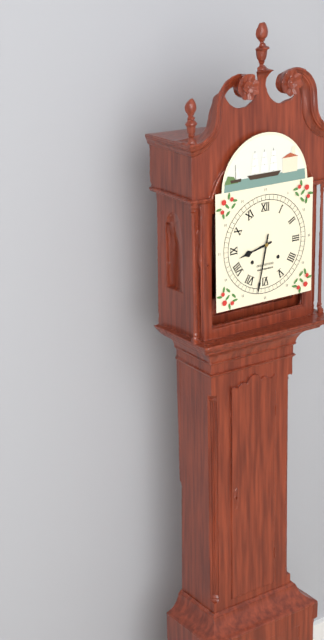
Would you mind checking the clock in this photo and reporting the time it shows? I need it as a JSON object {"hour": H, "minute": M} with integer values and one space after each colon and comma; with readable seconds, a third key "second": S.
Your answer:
{"hour": 8, "minute": 32}
